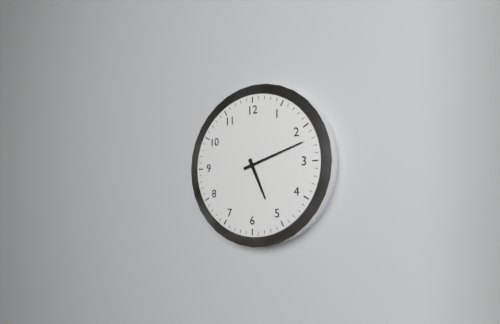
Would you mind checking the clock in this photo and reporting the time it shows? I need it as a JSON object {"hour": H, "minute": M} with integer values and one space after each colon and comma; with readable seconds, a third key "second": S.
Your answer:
{"hour": 5, "minute": 12}
